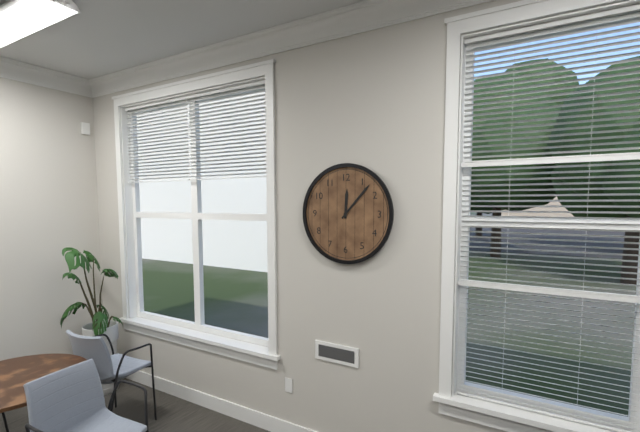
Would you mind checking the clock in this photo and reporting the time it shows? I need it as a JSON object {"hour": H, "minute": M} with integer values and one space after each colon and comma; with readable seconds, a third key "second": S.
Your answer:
{"hour": 12, "minute": 7}
